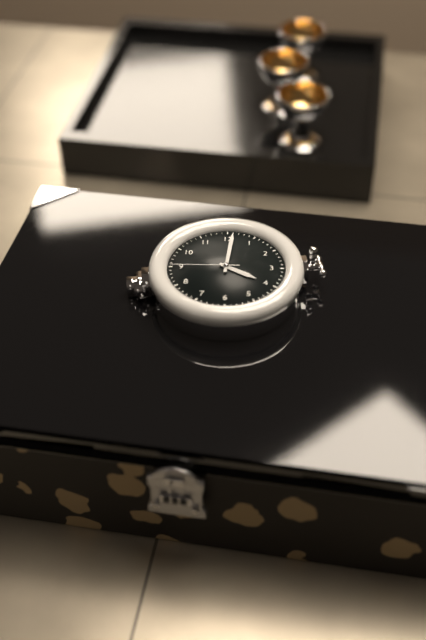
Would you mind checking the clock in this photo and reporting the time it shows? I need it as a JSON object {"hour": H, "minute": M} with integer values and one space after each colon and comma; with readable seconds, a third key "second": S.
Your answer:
{"hour": 4, "minute": 1, "second": 45}
